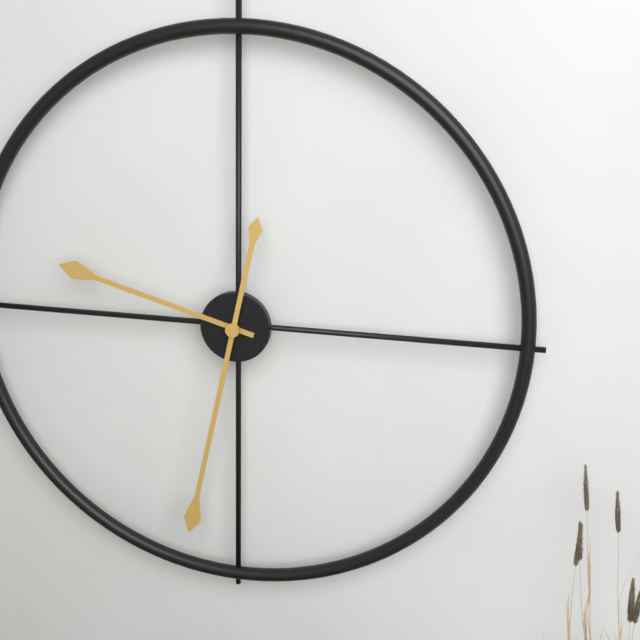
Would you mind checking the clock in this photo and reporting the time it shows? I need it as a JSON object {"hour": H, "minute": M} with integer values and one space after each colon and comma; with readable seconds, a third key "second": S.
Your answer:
{"hour": 9, "minute": 32}
